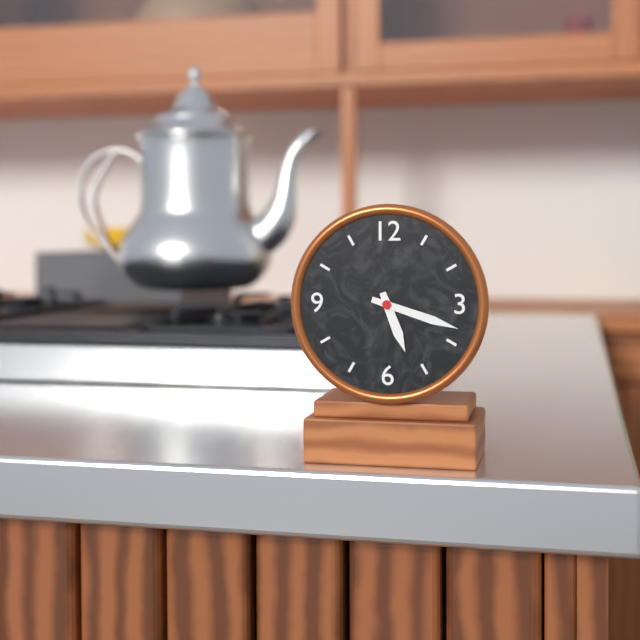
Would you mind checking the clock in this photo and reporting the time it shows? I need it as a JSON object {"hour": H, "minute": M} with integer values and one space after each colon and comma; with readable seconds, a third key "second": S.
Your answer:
{"hour": 5, "minute": 18}
